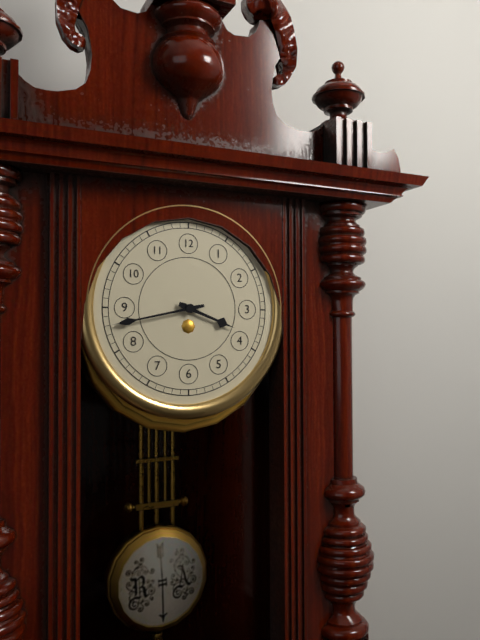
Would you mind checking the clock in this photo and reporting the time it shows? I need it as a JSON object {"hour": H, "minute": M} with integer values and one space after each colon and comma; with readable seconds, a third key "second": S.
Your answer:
{"hour": 3, "minute": 43}
